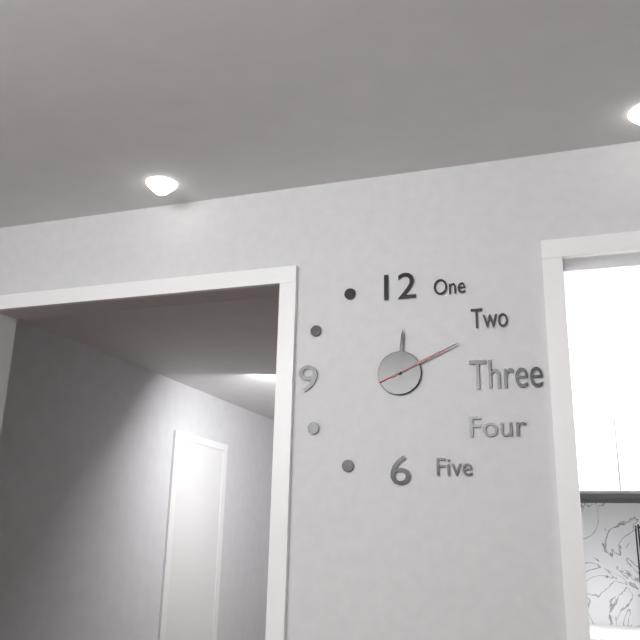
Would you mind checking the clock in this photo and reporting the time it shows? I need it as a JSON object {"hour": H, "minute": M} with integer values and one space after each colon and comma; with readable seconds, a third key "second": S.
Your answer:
{"hour": 12, "minute": 11, "second": 11}
